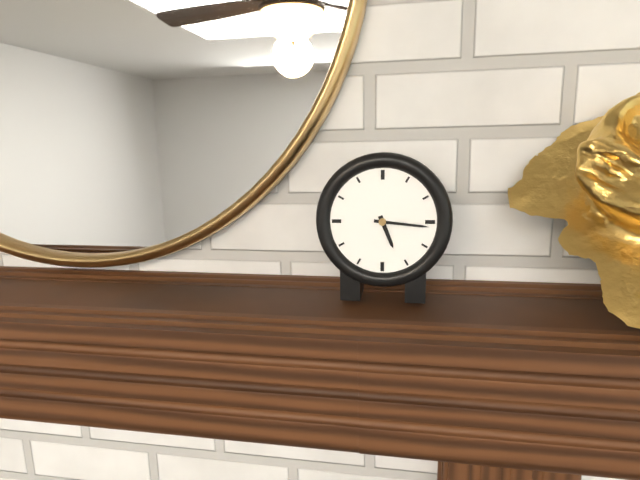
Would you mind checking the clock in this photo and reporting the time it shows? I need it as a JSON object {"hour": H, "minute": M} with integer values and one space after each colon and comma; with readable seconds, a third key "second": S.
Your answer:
{"hour": 5, "minute": 16}
